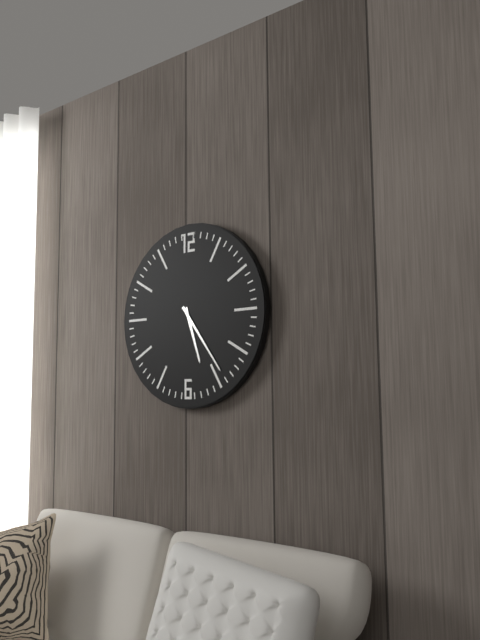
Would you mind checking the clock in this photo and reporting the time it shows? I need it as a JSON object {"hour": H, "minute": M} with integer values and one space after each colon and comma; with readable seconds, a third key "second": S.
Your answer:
{"hour": 5, "minute": 24}
